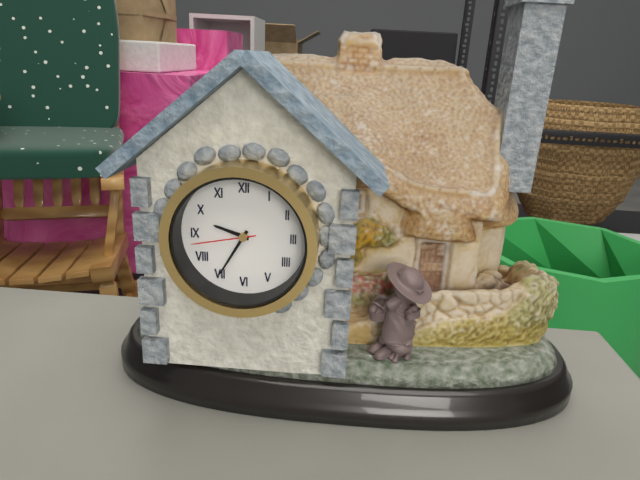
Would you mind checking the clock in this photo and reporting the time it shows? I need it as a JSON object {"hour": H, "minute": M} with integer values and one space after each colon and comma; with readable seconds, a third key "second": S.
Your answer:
{"hour": 9, "minute": 35, "second": 43}
